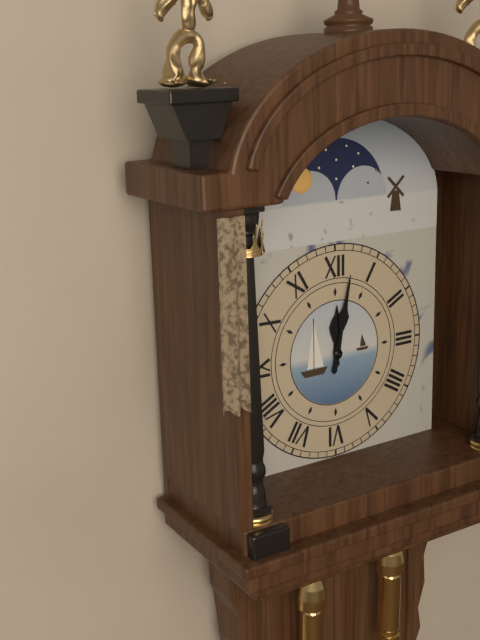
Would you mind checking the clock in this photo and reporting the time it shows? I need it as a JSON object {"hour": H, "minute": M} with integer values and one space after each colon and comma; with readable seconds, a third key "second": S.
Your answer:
{"hour": 12, "minute": 2}
